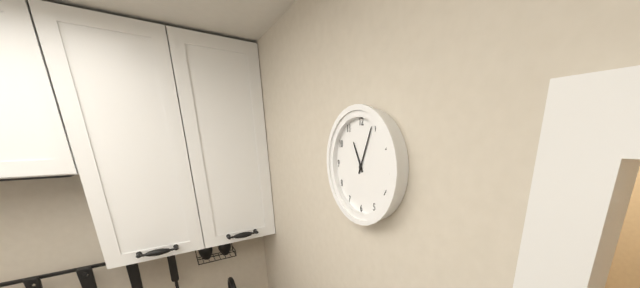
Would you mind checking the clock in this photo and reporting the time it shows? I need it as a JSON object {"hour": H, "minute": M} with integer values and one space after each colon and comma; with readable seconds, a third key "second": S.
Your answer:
{"hour": 11, "minute": 4}
